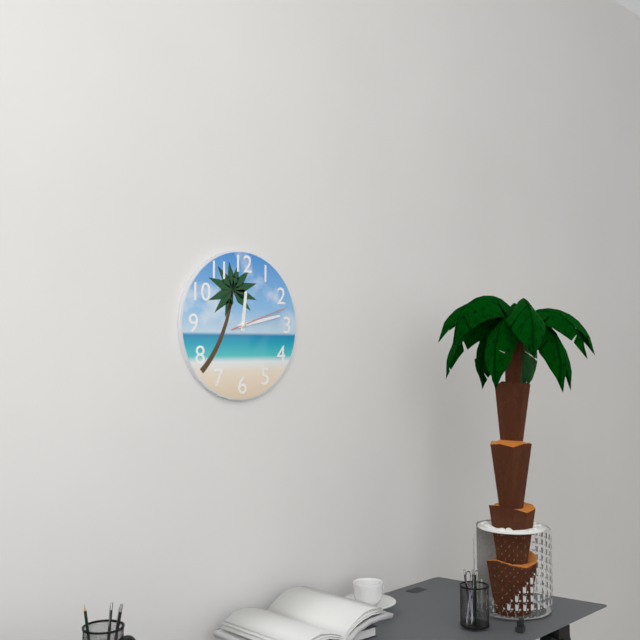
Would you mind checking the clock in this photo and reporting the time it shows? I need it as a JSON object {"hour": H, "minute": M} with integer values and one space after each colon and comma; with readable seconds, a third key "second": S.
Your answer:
{"hour": 12, "minute": 13, "second": 12}
